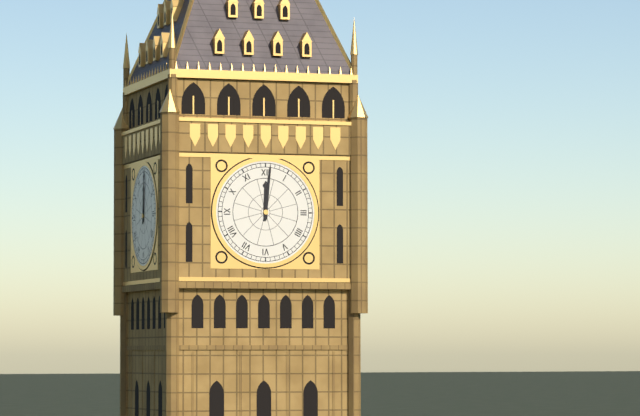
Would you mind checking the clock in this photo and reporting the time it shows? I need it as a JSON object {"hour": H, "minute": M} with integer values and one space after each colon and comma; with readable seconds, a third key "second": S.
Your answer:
{"hour": 12, "minute": 1}
